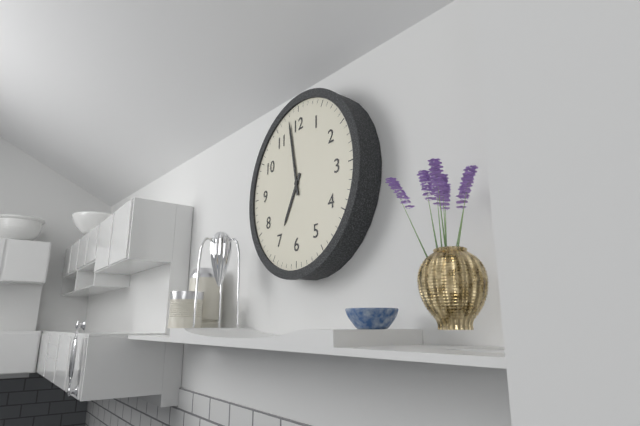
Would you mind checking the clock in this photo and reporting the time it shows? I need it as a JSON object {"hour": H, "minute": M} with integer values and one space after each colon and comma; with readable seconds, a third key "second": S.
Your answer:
{"hour": 6, "minute": 58}
